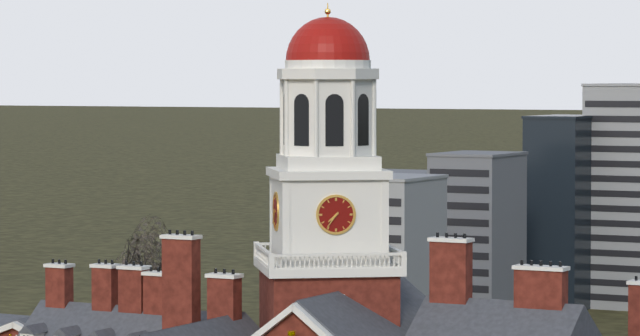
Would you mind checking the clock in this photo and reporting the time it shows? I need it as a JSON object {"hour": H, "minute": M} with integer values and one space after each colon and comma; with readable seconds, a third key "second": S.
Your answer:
{"hour": 7, "minute": 36}
